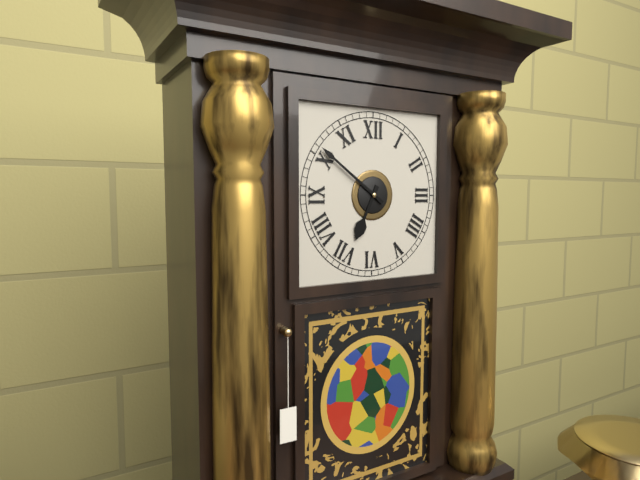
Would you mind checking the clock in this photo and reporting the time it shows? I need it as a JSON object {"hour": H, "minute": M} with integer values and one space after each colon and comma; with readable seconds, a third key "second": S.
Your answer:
{"hour": 6, "minute": 51}
